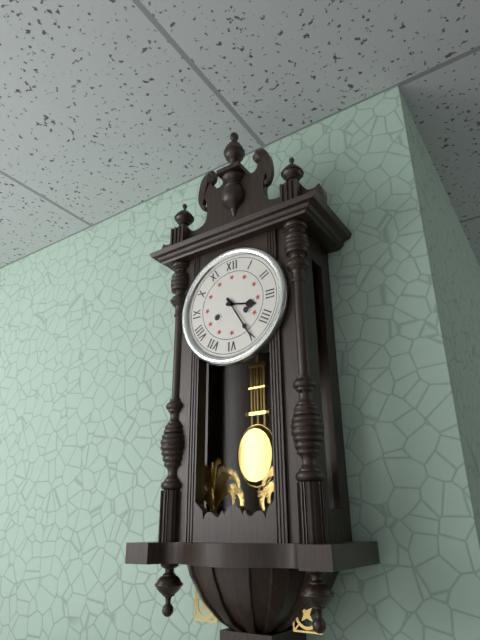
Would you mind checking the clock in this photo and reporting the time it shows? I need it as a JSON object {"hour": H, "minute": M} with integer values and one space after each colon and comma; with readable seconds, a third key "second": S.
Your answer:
{"hour": 3, "minute": 25}
